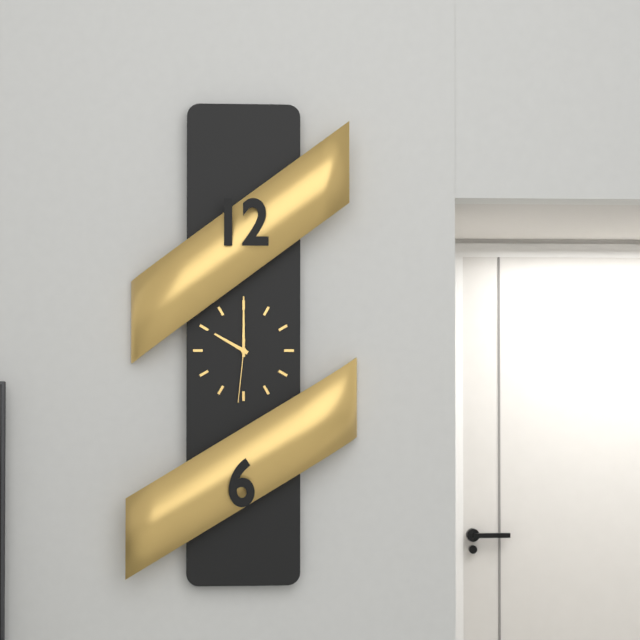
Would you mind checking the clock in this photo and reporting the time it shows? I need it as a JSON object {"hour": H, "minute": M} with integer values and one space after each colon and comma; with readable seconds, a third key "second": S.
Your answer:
{"hour": 10, "minute": 0, "second": 31}
